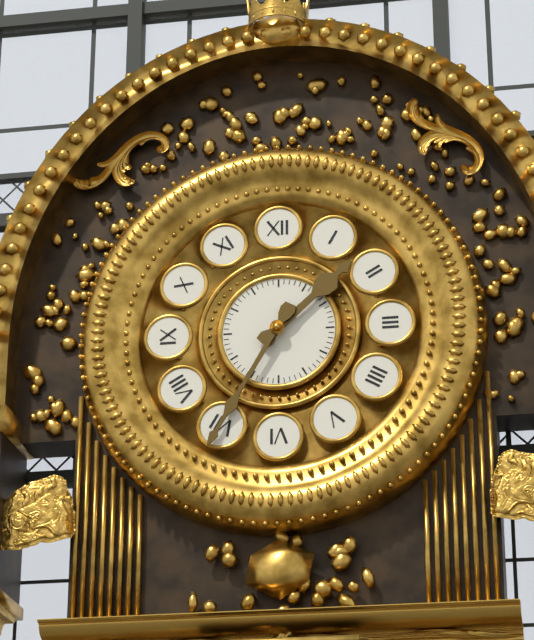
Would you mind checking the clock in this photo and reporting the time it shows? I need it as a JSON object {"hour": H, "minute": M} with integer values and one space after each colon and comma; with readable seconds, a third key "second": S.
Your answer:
{"hour": 1, "minute": 35}
